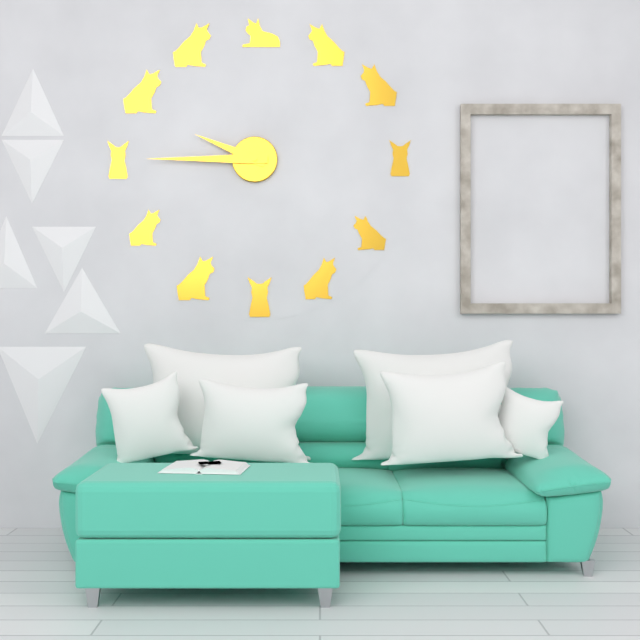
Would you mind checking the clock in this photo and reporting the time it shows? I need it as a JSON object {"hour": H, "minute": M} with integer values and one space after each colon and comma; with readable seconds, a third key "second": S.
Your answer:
{"hour": 9, "minute": 45}
